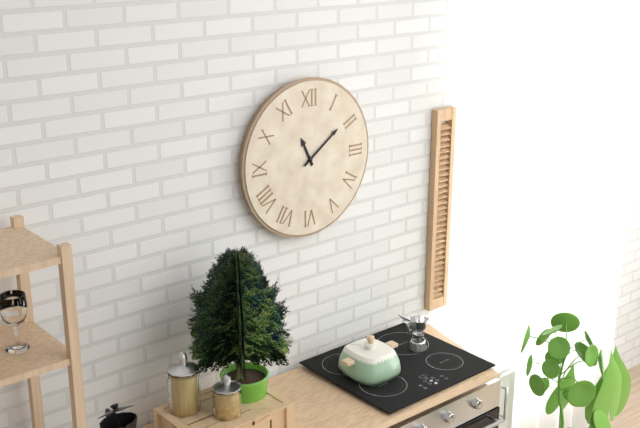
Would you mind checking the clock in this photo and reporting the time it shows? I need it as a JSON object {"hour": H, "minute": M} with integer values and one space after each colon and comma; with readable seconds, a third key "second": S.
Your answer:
{"hour": 11, "minute": 9}
